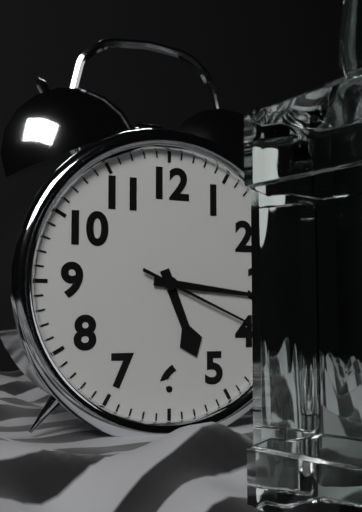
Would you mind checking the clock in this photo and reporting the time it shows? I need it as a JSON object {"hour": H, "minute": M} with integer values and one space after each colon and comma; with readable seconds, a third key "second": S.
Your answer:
{"hour": 5, "minute": 16, "second": 19}
